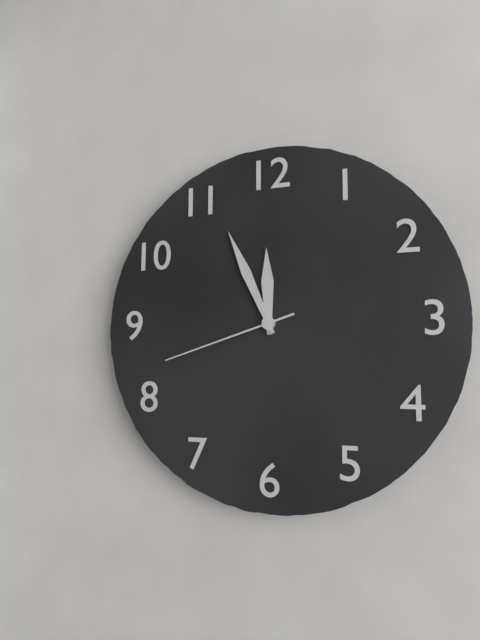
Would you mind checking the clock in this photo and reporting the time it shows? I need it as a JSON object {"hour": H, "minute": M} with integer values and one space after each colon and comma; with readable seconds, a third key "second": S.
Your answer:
{"hour": 11, "minute": 56, "second": 42}
